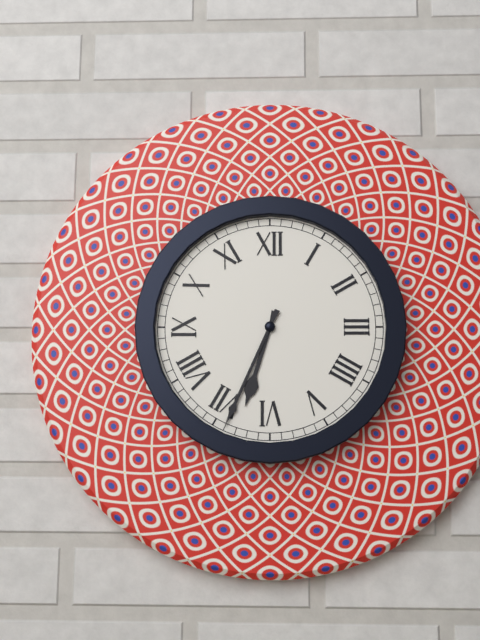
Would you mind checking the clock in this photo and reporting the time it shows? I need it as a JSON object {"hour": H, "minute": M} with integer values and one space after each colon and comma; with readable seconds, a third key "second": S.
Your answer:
{"hour": 6, "minute": 34}
